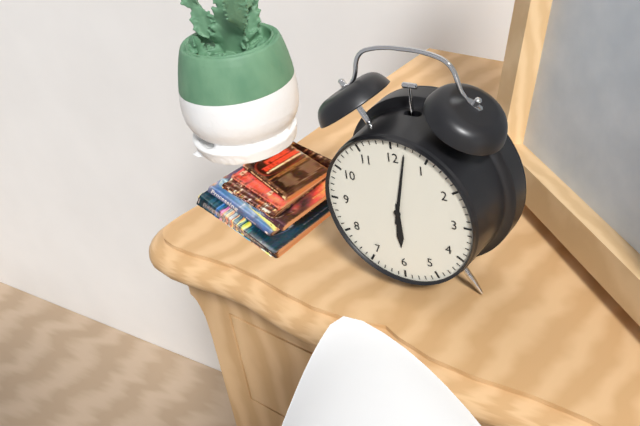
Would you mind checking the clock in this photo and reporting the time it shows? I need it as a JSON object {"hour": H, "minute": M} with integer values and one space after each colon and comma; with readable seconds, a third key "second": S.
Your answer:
{"hour": 6, "minute": 2}
